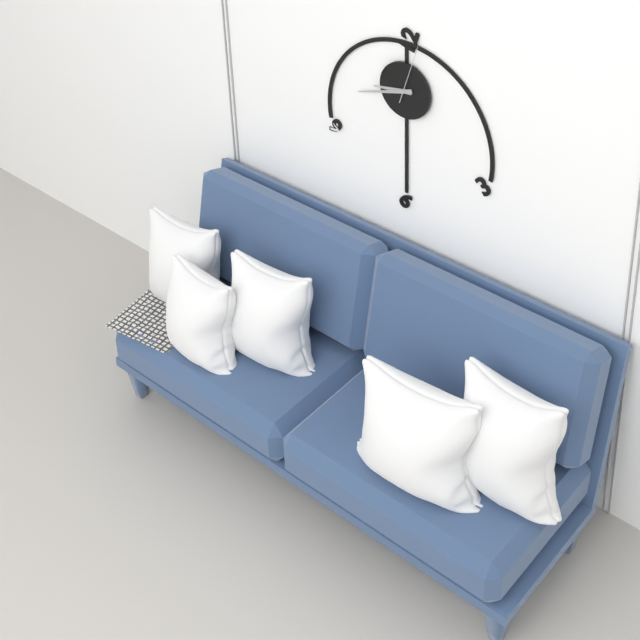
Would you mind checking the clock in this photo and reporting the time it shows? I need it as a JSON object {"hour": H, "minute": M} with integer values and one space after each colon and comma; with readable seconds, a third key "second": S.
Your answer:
{"hour": 8, "minute": 42, "second": 3}
